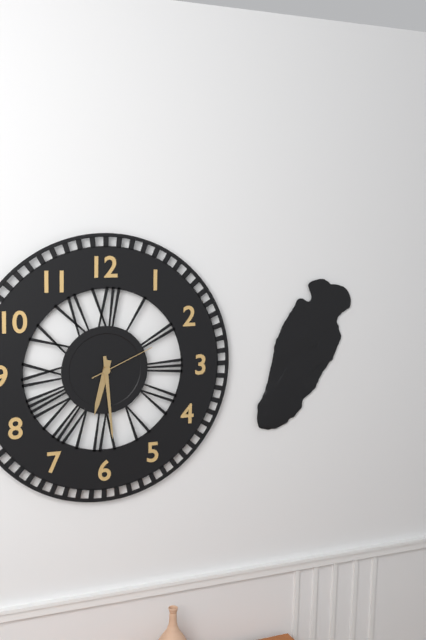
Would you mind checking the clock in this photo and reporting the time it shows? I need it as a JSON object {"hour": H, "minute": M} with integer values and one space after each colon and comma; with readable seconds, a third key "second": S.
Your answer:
{"hour": 6, "minute": 29, "second": 11}
